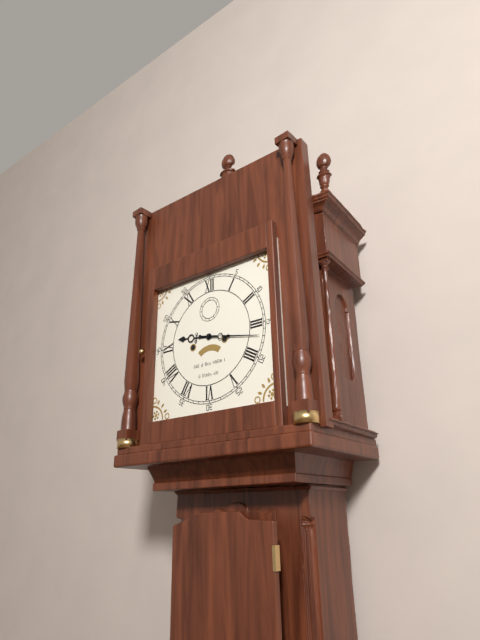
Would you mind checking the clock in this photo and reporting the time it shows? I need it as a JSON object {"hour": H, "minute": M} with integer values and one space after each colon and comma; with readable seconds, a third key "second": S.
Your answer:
{"hour": 9, "minute": 17}
